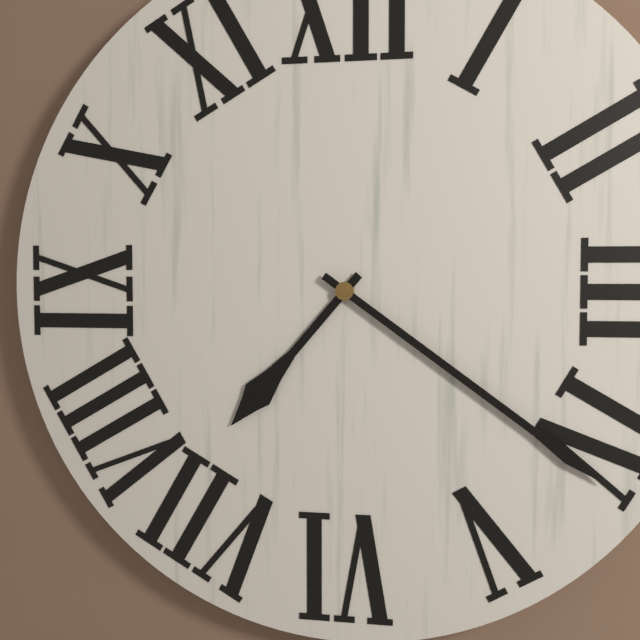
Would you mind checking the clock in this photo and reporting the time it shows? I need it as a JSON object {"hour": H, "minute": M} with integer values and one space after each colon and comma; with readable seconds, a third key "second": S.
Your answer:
{"hour": 7, "minute": 21}
